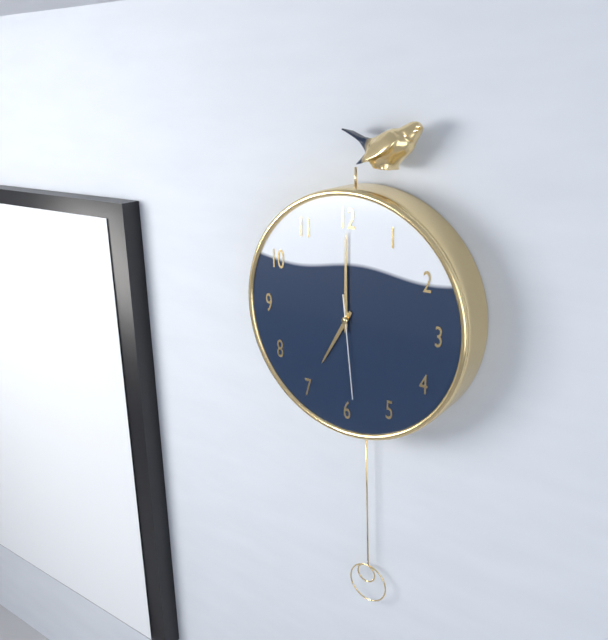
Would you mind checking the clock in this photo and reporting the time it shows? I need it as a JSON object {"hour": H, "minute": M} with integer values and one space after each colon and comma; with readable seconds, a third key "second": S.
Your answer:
{"hour": 7, "minute": 0, "second": 29}
